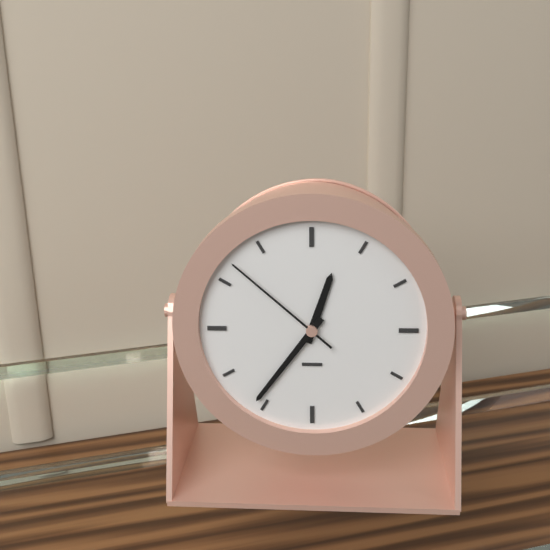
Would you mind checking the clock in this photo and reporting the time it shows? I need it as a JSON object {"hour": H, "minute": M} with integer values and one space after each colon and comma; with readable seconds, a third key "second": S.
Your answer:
{"hour": 12, "minute": 36, "second": 52}
